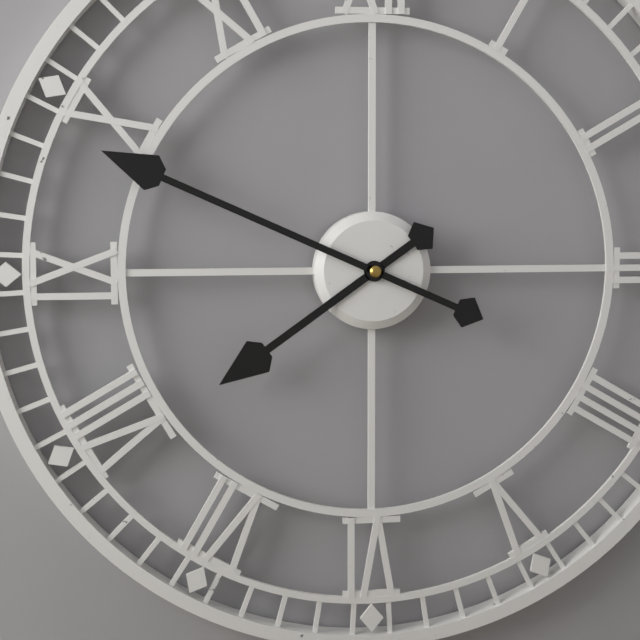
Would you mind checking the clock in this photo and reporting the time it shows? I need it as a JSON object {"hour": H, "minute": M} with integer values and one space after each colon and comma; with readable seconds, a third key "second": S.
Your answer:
{"hour": 7, "minute": 49}
